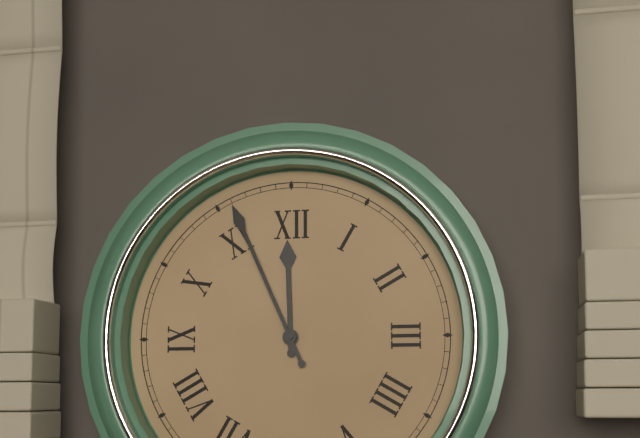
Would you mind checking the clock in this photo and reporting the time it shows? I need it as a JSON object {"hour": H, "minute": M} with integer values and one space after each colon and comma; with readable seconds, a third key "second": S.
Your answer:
{"hour": 11, "minute": 56}
